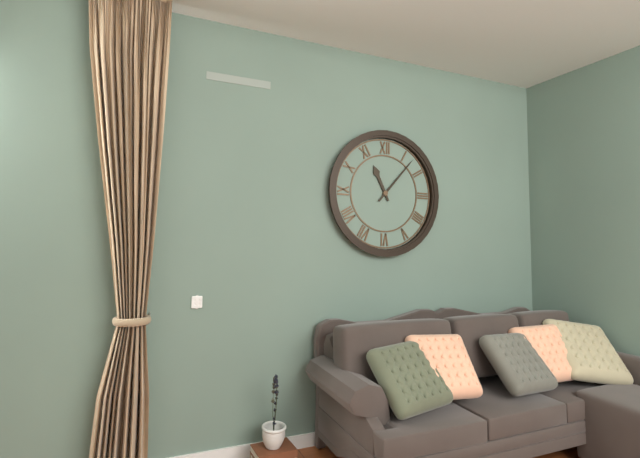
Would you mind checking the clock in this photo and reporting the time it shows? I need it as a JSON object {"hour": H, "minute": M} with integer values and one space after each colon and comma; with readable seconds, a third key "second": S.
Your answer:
{"hour": 11, "minute": 7}
